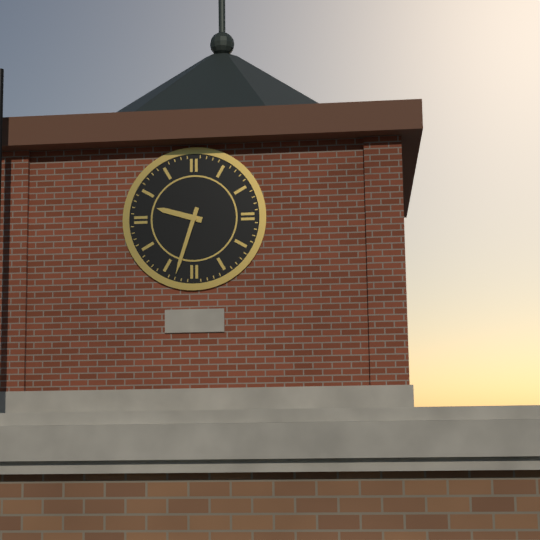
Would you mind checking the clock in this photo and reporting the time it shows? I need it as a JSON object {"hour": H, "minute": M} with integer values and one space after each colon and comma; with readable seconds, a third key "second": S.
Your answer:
{"hour": 9, "minute": 33}
